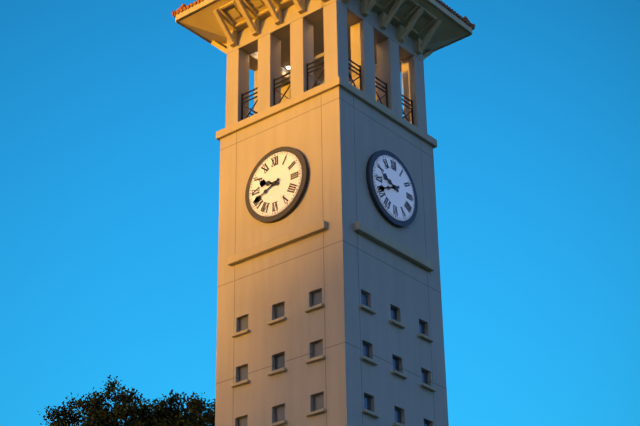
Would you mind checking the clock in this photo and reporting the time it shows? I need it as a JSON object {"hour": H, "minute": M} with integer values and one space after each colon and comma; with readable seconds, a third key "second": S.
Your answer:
{"hour": 9, "minute": 41}
